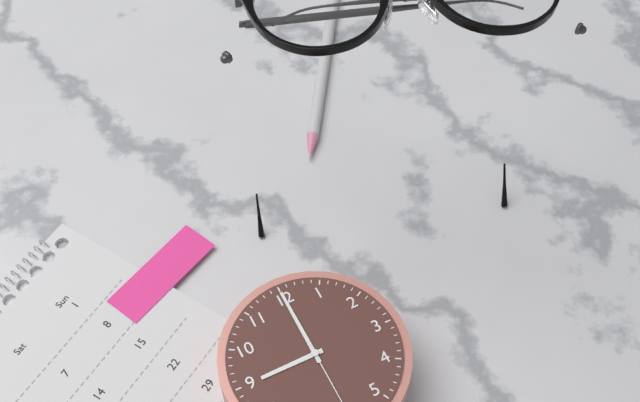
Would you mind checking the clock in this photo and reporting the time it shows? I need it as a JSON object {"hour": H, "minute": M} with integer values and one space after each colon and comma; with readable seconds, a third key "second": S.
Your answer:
{"hour": 9, "minute": 0}
